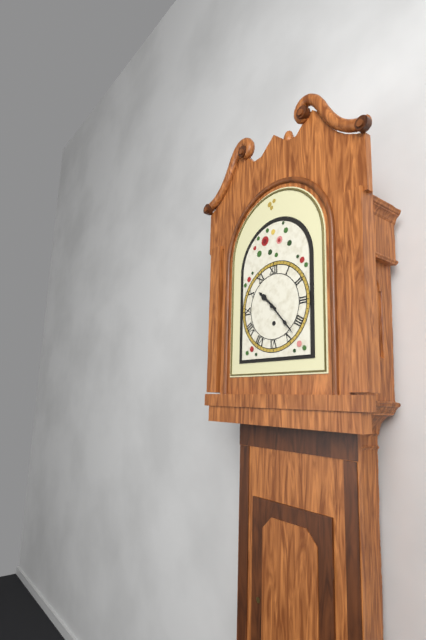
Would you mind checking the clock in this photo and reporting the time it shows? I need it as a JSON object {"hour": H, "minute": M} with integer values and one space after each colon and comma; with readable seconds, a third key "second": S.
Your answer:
{"hour": 10, "minute": 23}
